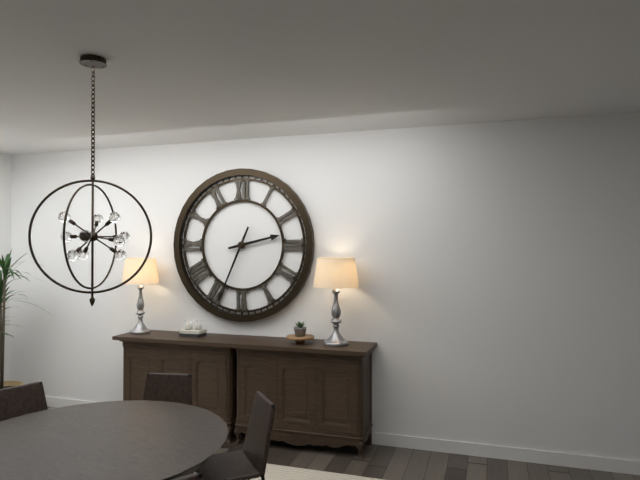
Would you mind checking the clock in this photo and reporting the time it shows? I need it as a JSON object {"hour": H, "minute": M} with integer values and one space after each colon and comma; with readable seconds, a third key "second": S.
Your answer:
{"hour": 2, "minute": 34}
